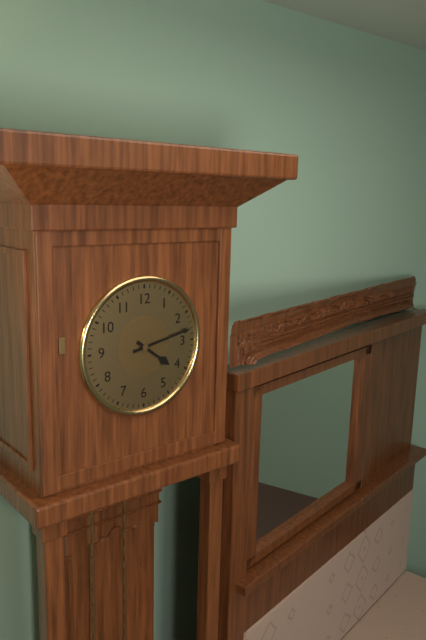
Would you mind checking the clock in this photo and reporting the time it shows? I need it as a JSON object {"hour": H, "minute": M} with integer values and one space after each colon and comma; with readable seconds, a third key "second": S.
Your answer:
{"hour": 4, "minute": 13}
